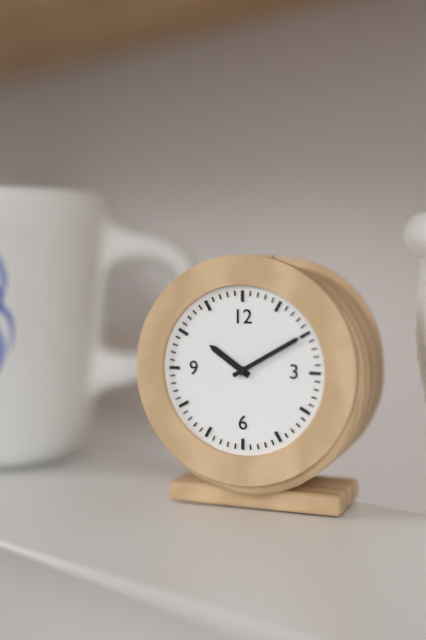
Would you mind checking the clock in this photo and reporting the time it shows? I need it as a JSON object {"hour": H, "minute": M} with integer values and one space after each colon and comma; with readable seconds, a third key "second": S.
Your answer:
{"hour": 10, "minute": 10}
